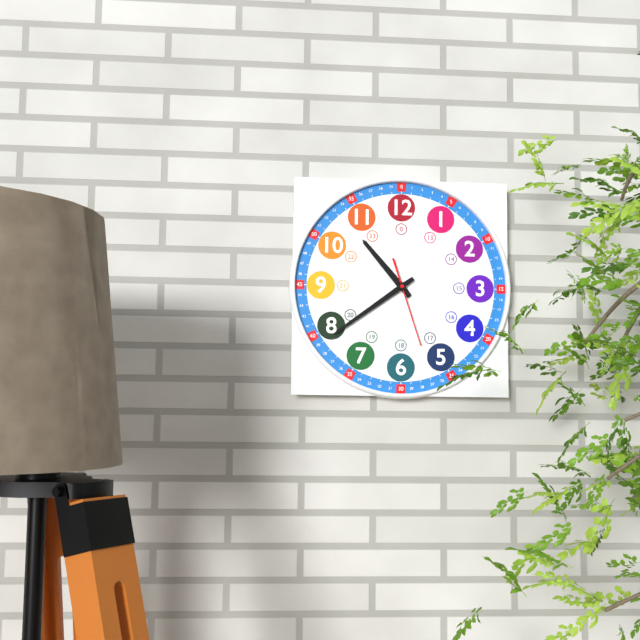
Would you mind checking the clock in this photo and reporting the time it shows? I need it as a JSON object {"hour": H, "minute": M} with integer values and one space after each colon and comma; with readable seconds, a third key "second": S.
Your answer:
{"hour": 10, "minute": 39, "second": 27}
